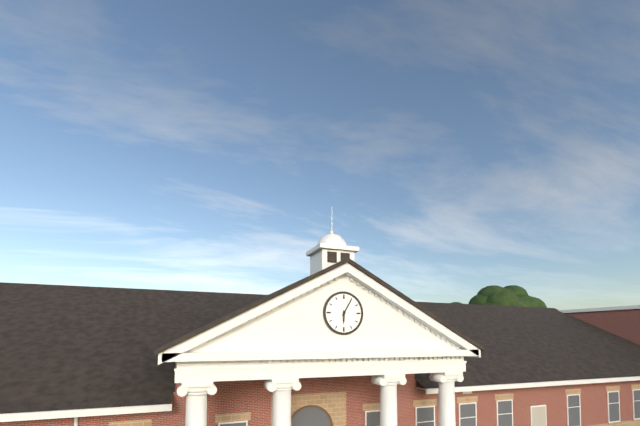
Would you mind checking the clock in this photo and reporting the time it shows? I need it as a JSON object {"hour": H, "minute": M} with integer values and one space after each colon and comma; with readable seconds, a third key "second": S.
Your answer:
{"hour": 6, "minute": 5}
